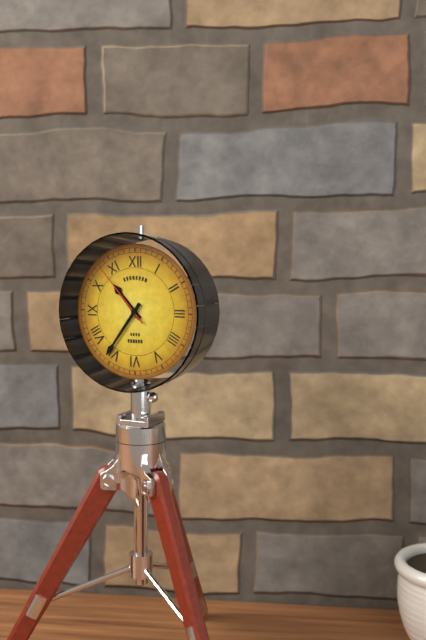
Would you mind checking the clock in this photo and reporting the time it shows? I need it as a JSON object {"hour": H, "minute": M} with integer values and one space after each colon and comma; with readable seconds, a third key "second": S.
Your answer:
{"hour": 10, "minute": 36, "second": 53}
